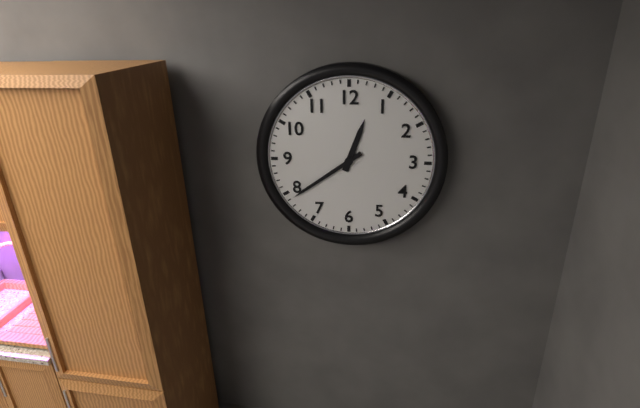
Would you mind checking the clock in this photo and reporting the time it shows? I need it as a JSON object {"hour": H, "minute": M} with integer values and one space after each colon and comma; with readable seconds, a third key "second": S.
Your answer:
{"hour": 12, "minute": 39}
